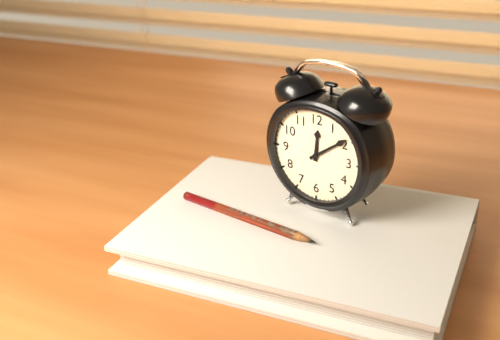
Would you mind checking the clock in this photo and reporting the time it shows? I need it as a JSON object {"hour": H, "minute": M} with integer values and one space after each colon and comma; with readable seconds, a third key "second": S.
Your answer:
{"hour": 12, "minute": 9}
